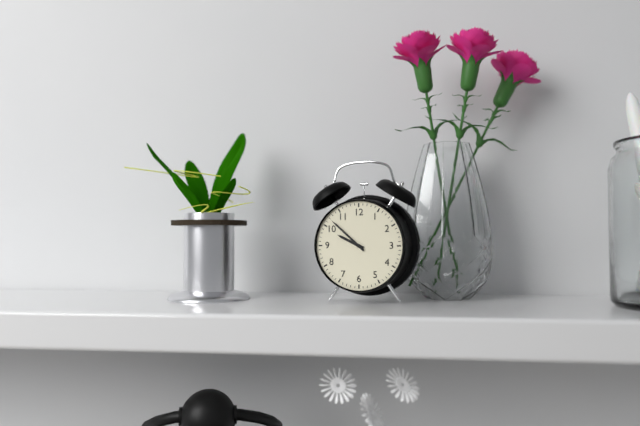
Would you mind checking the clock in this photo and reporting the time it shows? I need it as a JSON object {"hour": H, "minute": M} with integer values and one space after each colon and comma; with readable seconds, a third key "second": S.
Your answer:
{"hour": 9, "minute": 52}
